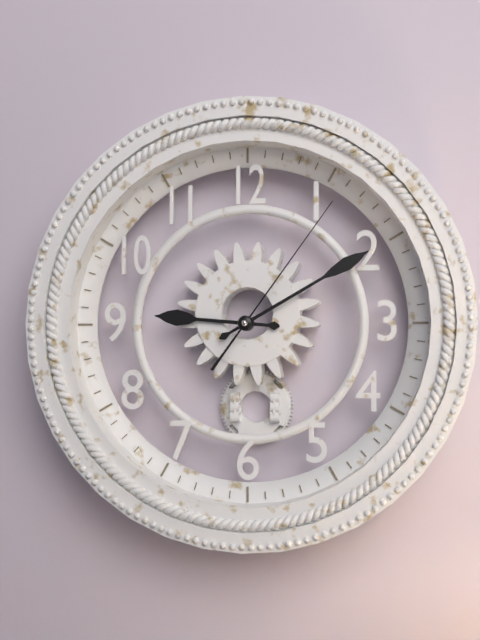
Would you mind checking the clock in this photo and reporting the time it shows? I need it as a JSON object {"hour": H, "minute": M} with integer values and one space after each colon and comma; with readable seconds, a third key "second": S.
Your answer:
{"hour": 9, "minute": 10, "second": 6}
